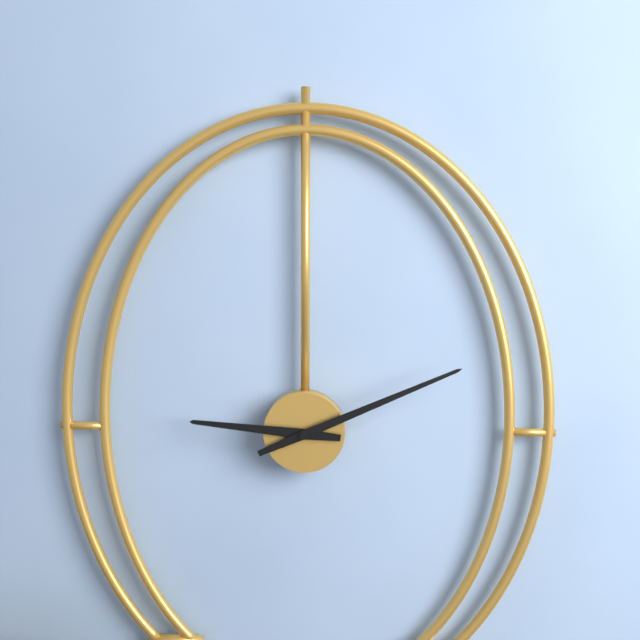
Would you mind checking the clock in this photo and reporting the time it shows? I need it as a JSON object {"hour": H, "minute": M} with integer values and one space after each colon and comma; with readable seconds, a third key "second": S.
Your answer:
{"hour": 9, "minute": 11}
